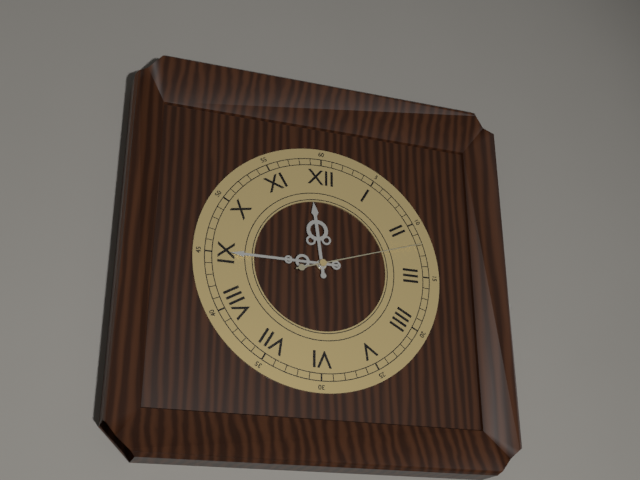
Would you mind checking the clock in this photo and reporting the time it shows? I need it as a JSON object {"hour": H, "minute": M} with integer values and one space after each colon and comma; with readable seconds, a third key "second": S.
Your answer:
{"hour": 11, "minute": 45, "second": 12}
